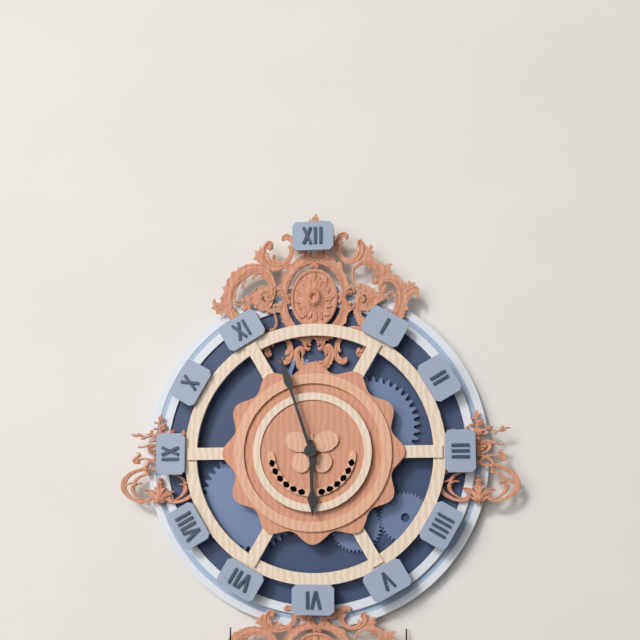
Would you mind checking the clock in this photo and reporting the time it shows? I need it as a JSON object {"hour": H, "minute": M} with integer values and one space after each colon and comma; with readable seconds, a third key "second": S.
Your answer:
{"hour": 5, "minute": 57}
